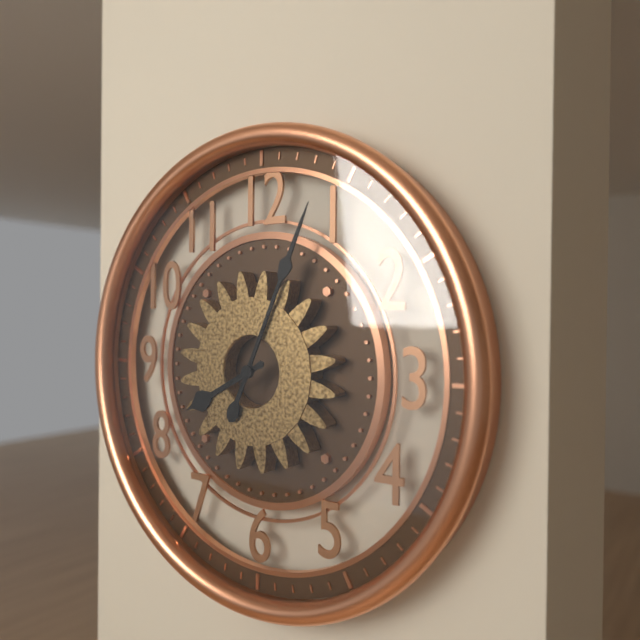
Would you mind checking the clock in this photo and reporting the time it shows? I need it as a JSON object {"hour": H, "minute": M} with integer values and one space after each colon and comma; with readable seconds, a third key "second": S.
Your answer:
{"hour": 8, "minute": 4}
